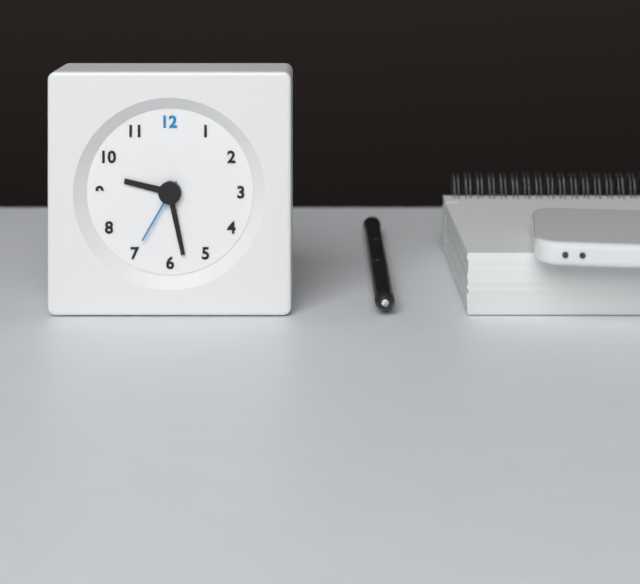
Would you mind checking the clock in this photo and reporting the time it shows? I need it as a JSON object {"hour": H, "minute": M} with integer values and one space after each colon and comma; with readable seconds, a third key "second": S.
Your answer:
{"hour": 9, "minute": 28, "second": 35}
